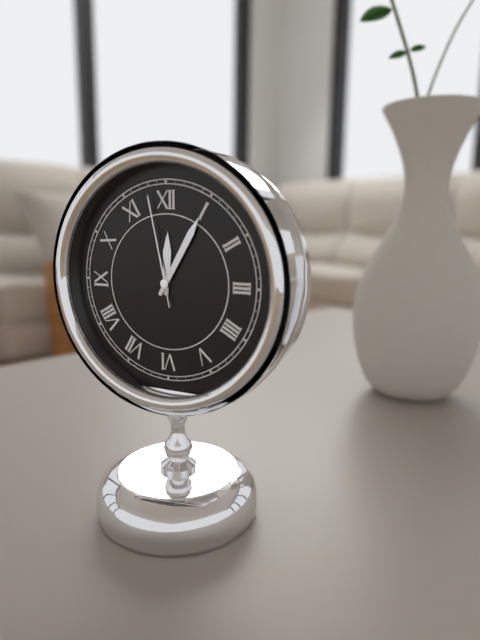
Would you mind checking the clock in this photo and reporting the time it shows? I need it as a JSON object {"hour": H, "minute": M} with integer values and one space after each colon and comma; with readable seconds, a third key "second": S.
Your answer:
{"hour": 12, "minute": 5, "second": 58}
